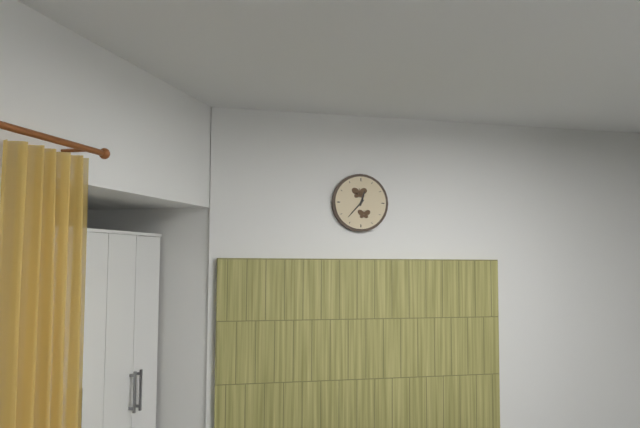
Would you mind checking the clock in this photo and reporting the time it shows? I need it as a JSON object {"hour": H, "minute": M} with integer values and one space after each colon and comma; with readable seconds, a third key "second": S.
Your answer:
{"hour": 12, "minute": 37}
